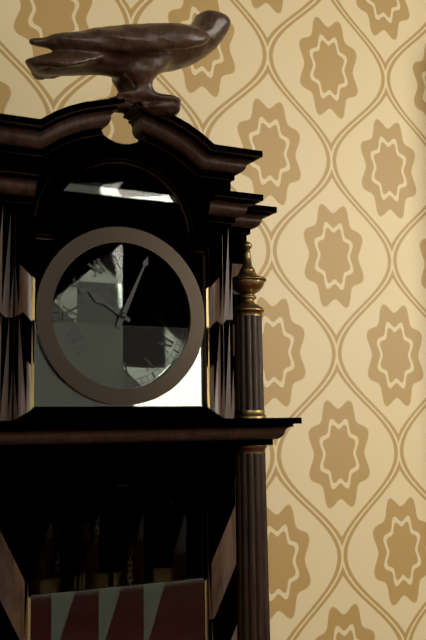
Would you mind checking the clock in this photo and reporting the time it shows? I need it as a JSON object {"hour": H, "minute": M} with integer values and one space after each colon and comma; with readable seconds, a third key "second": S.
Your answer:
{"hour": 10, "minute": 4}
